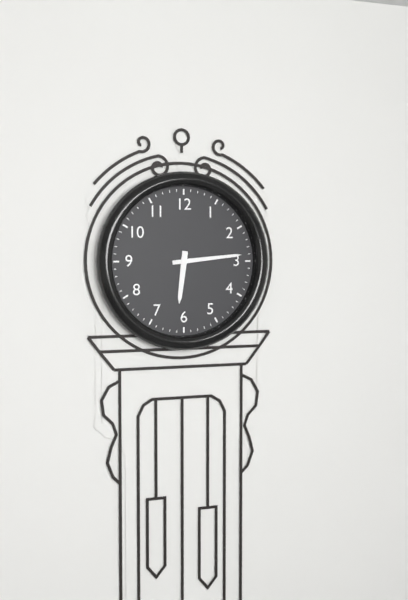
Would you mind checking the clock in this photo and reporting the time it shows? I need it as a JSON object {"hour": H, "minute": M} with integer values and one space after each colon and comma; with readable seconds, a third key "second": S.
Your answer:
{"hour": 6, "minute": 14}
